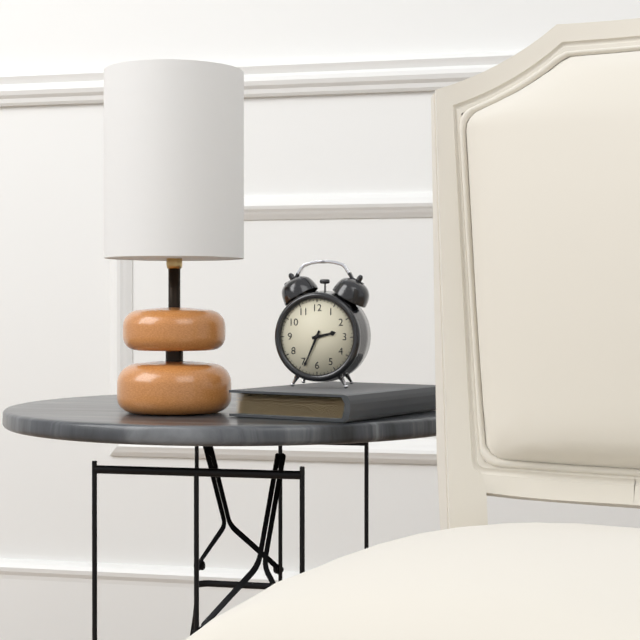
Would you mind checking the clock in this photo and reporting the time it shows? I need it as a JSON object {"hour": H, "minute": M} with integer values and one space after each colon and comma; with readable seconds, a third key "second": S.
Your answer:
{"hour": 2, "minute": 34}
